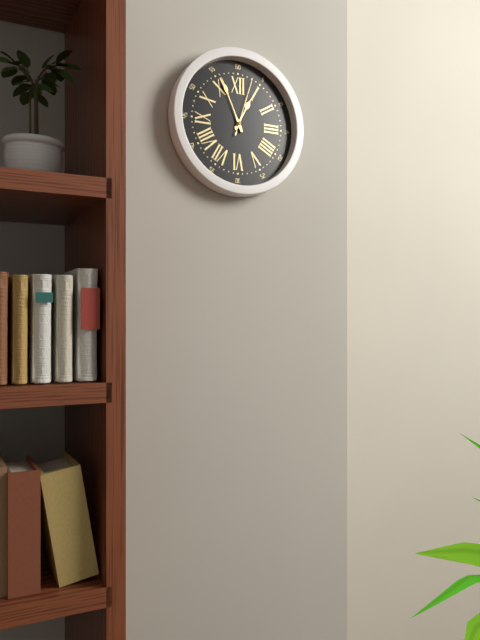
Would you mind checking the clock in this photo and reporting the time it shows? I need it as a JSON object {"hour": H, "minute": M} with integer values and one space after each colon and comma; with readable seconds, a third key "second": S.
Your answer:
{"hour": 12, "minute": 56, "second": 3}
